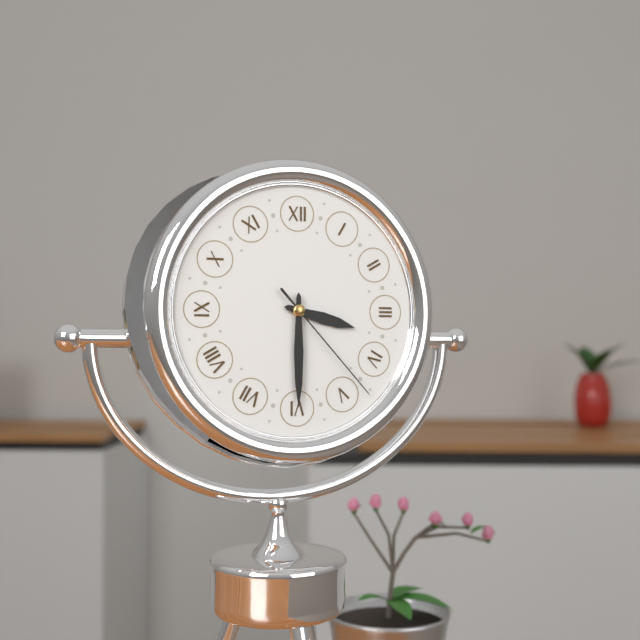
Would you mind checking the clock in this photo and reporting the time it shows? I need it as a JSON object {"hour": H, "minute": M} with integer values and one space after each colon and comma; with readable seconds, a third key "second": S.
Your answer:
{"hour": 3, "minute": 30, "second": 23}
